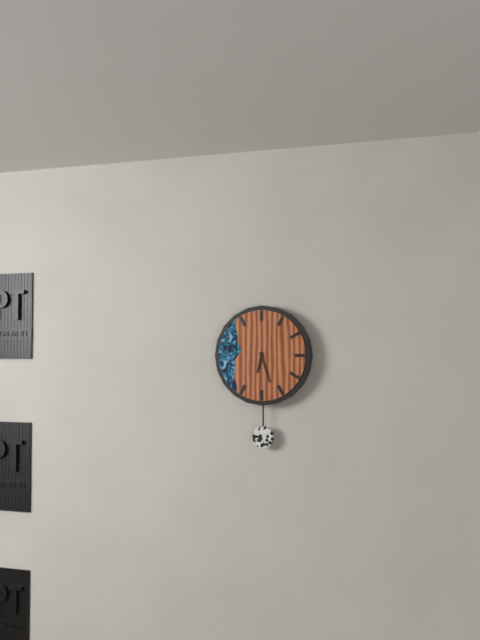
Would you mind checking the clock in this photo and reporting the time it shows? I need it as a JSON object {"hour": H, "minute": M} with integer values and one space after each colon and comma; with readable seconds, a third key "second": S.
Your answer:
{"hour": 6, "minute": 27}
